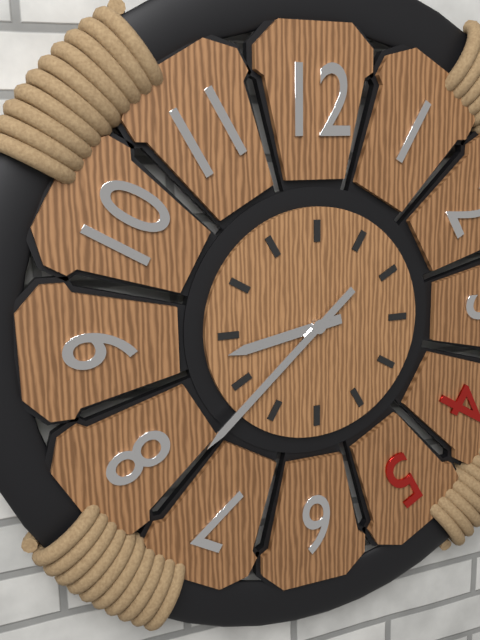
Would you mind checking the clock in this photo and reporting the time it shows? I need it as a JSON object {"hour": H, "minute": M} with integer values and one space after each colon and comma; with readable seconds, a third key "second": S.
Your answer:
{"hour": 8, "minute": 38}
